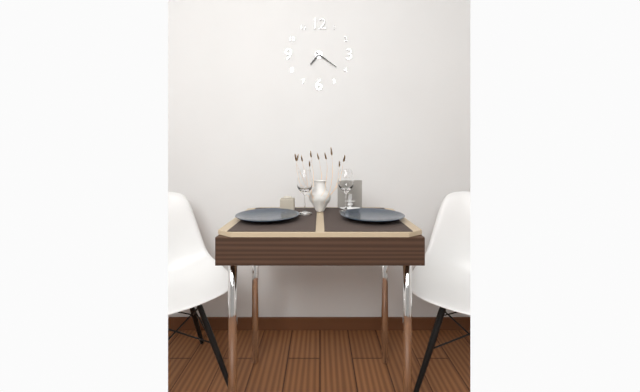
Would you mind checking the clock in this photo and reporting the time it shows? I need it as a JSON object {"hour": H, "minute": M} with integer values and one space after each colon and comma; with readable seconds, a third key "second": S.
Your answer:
{"hour": 7, "minute": 21}
